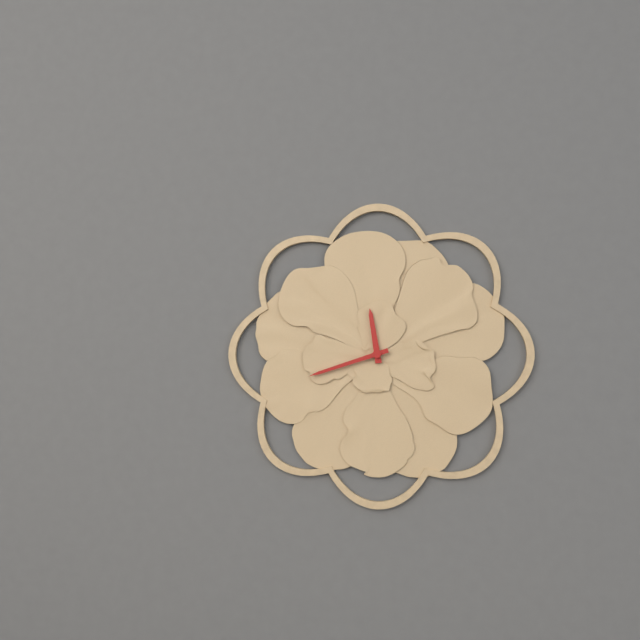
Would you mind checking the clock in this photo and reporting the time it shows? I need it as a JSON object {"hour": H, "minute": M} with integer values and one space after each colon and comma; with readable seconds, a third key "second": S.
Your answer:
{"hour": 11, "minute": 42}
